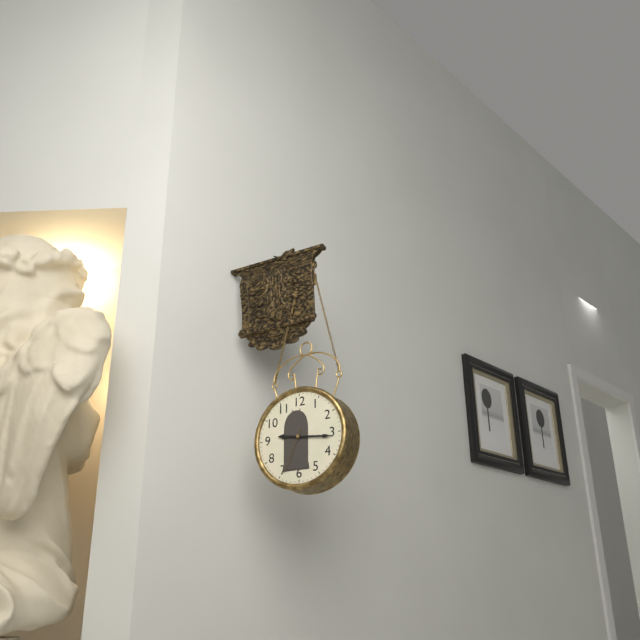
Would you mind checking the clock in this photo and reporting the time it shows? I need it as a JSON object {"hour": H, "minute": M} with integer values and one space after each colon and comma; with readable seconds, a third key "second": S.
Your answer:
{"hour": 9, "minute": 16}
